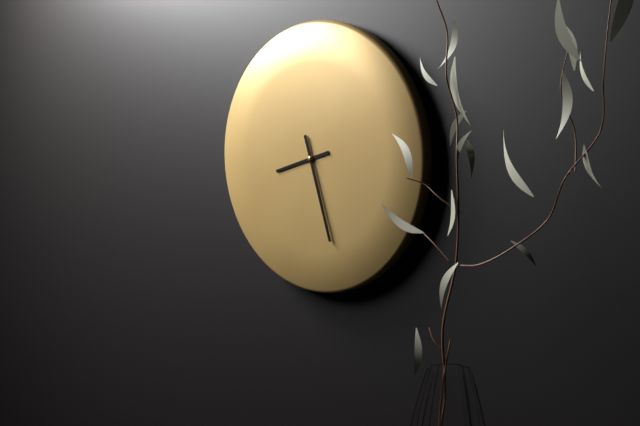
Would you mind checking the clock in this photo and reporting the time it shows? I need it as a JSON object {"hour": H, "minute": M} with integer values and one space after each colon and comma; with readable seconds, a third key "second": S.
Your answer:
{"hour": 8, "minute": 27}
